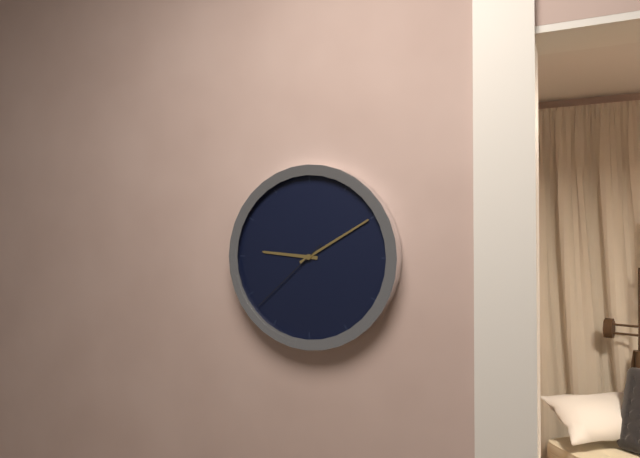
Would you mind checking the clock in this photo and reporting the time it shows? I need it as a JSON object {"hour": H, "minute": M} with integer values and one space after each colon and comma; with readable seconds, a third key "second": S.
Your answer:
{"hour": 9, "minute": 10, "second": 38}
